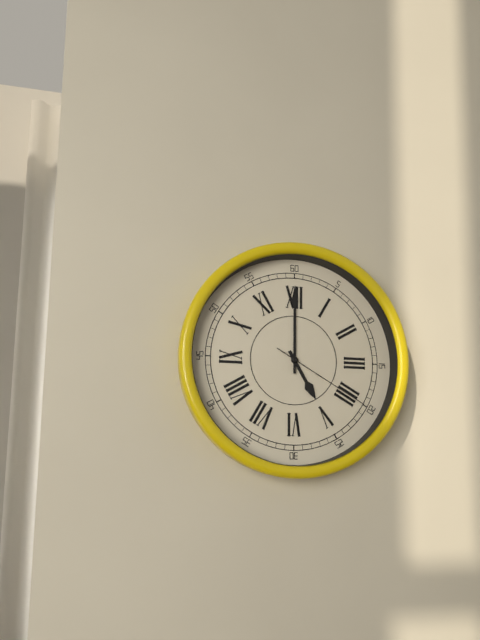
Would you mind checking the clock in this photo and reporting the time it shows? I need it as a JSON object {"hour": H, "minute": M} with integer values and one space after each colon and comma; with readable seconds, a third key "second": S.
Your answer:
{"hour": 5, "minute": 0, "second": 20}
